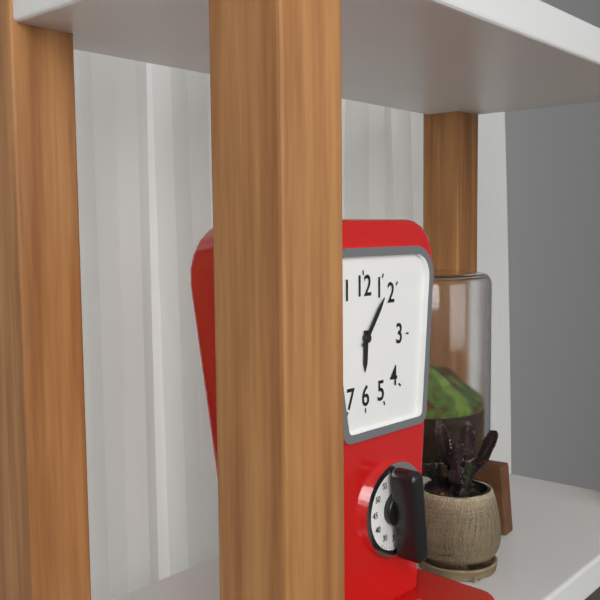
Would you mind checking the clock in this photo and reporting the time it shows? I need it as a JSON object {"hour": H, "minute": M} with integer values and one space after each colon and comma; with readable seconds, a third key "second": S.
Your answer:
{"hour": 6, "minute": 6}
